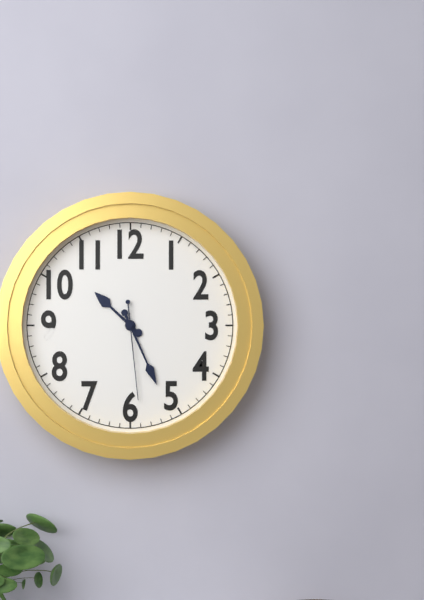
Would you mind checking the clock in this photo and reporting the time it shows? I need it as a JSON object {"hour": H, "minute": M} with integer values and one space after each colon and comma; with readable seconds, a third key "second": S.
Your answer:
{"hour": 10, "minute": 26, "second": 29}
